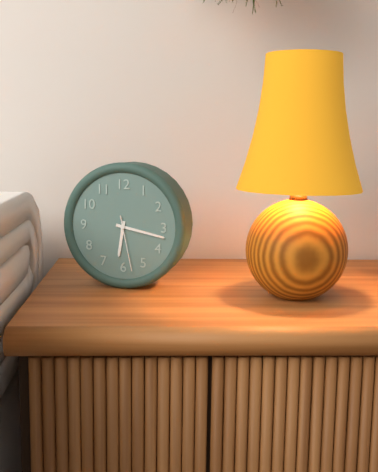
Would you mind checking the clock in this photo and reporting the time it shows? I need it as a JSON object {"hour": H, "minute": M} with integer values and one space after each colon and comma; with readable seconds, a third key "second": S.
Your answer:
{"hour": 6, "minute": 17, "second": 28}
